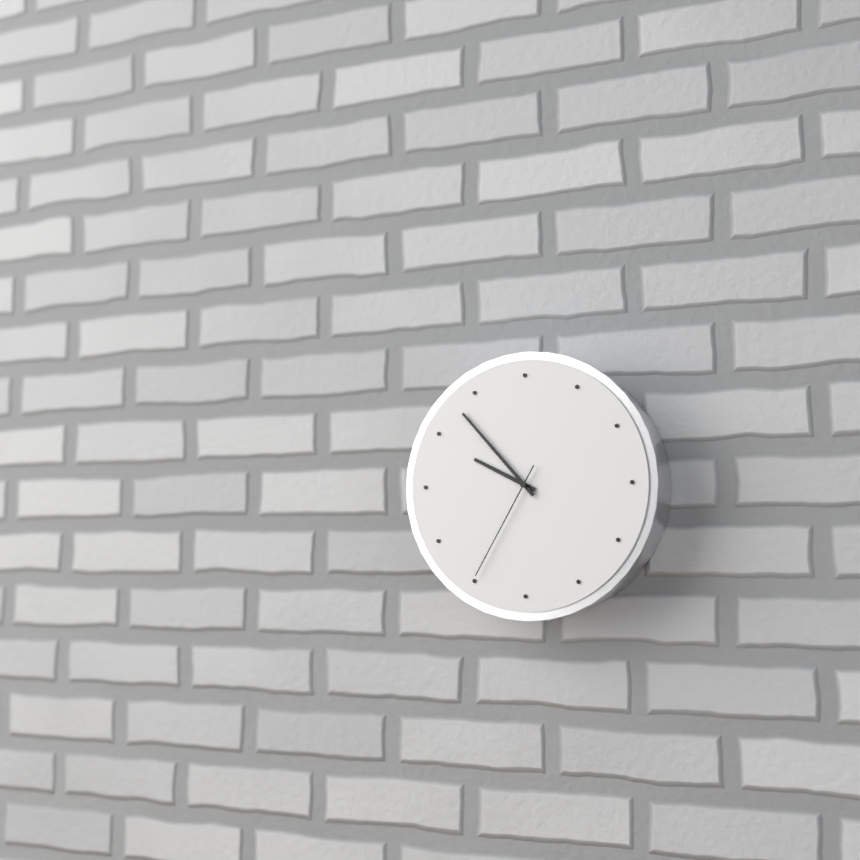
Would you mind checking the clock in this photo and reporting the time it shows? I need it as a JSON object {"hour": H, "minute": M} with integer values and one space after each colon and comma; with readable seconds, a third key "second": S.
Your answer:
{"hour": 9, "minute": 53, "second": 35}
